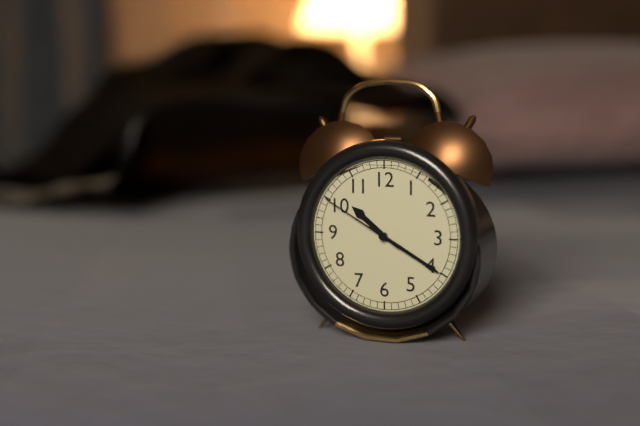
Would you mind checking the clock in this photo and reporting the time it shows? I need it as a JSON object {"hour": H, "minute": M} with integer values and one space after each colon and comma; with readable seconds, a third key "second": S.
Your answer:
{"hour": 10, "minute": 20, "second": 50}
